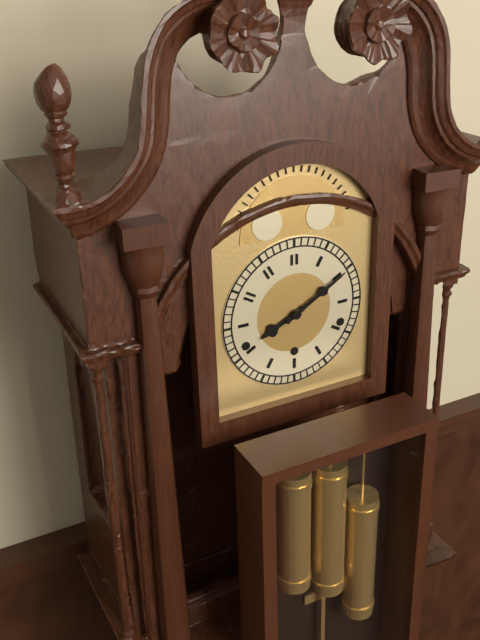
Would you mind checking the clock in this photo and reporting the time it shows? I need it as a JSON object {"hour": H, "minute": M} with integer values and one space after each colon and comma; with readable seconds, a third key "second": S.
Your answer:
{"hour": 8, "minute": 10}
